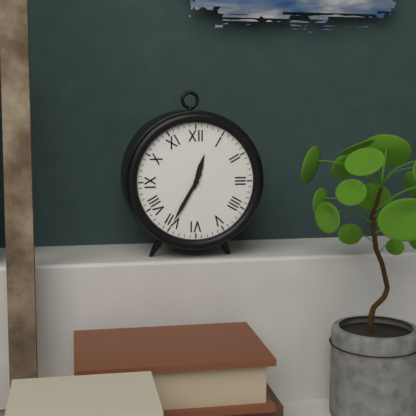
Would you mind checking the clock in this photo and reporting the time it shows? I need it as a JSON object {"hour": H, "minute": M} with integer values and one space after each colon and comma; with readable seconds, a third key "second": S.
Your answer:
{"hour": 12, "minute": 35}
